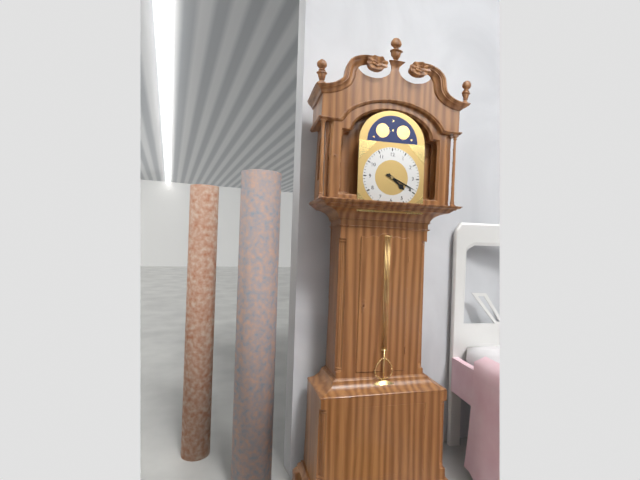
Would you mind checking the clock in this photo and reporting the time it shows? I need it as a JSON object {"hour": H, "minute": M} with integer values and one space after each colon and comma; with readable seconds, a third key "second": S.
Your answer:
{"hour": 4, "minute": 19}
